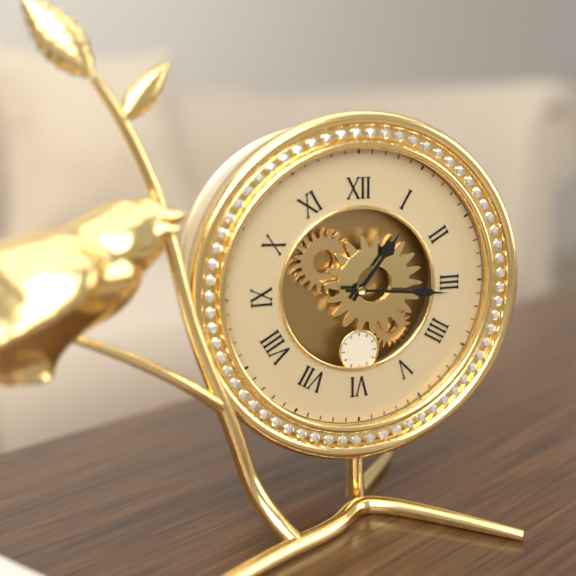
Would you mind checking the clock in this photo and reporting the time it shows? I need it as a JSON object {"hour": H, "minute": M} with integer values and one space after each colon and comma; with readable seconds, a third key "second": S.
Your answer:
{"hour": 1, "minute": 16}
